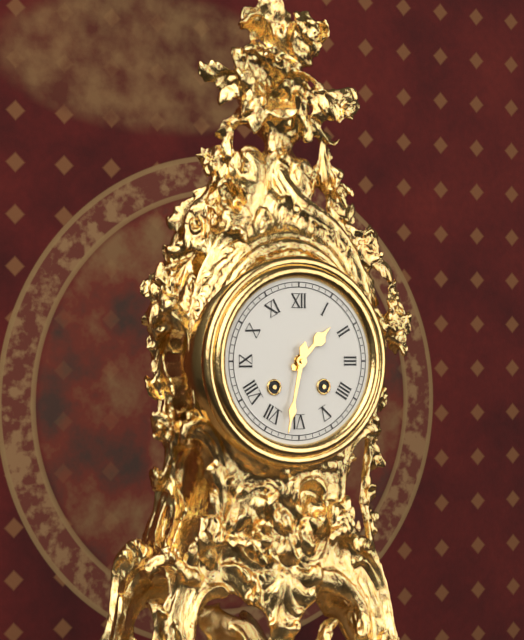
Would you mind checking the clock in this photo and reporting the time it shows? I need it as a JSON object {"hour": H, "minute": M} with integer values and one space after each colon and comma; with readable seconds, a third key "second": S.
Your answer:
{"hour": 1, "minute": 32}
